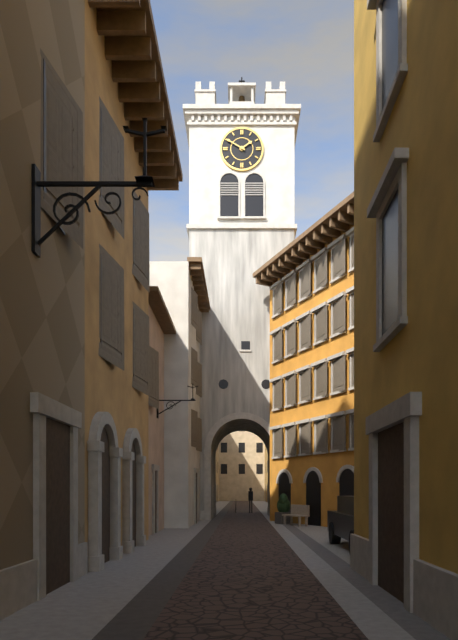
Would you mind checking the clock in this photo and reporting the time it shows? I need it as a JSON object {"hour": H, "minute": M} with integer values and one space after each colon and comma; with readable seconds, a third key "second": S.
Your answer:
{"hour": 1, "minute": 50}
